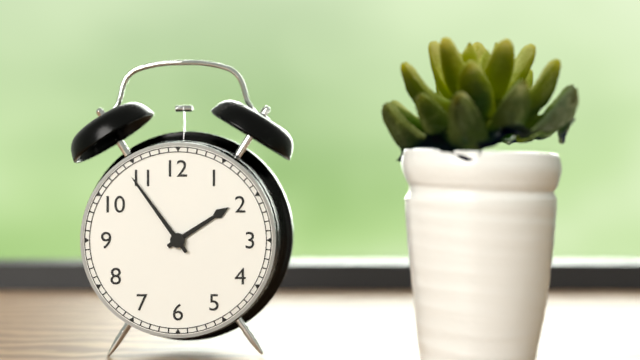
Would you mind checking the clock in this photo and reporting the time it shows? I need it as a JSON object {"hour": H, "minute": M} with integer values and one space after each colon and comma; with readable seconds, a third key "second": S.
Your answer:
{"hour": 1, "minute": 54}
